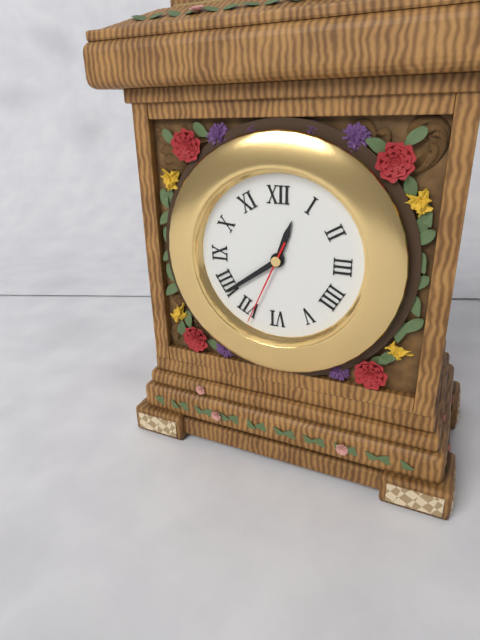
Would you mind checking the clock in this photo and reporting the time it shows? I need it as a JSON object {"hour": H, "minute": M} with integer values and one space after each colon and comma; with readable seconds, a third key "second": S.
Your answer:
{"hour": 12, "minute": 39, "second": 34}
